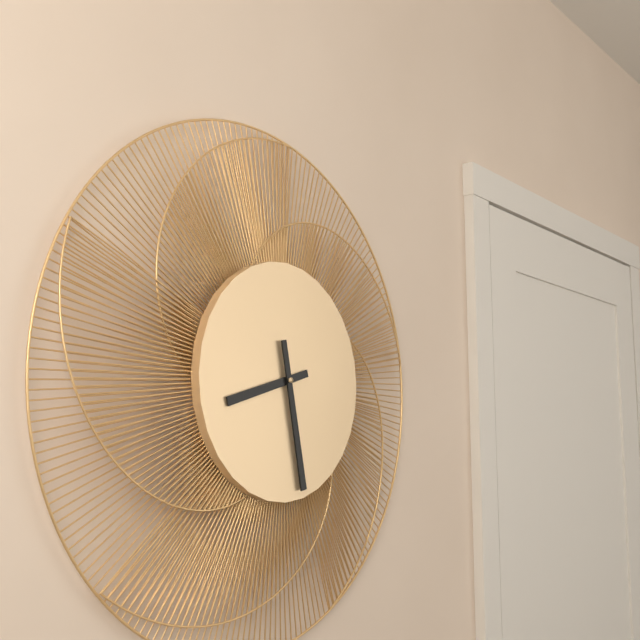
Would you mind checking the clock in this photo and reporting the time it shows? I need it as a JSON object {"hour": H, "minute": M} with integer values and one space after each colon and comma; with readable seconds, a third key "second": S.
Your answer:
{"hour": 8, "minute": 28}
